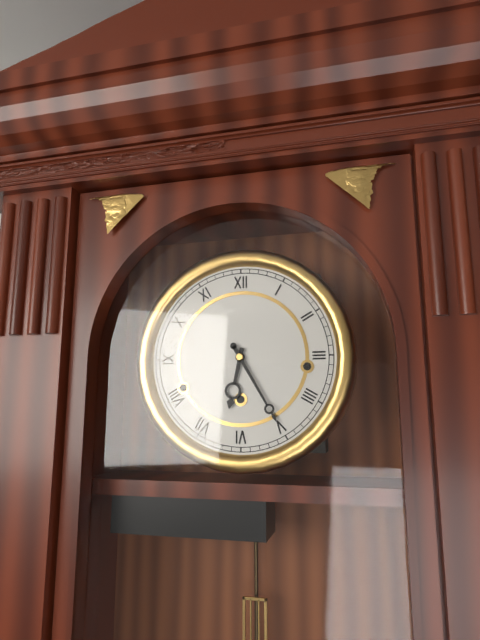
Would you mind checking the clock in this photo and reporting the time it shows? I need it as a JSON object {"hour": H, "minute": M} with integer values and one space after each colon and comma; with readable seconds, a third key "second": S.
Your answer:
{"hour": 6, "minute": 25}
